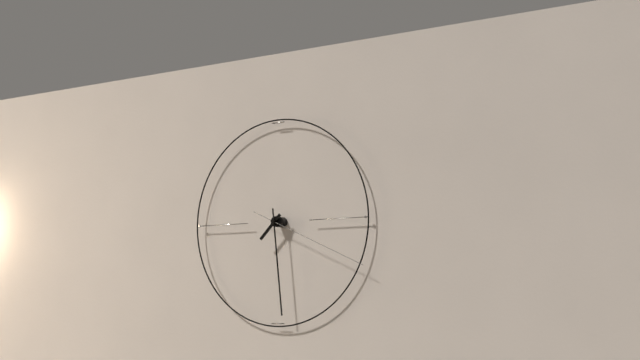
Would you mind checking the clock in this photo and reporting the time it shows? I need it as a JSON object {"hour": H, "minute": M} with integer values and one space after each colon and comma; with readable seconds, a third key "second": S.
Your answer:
{"hour": 7, "minute": 29, "second": 19}
